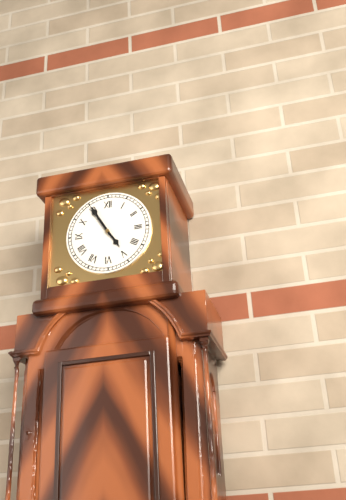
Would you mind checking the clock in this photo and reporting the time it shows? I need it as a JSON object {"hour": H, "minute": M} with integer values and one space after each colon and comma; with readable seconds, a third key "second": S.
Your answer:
{"hour": 4, "minute": 55}
